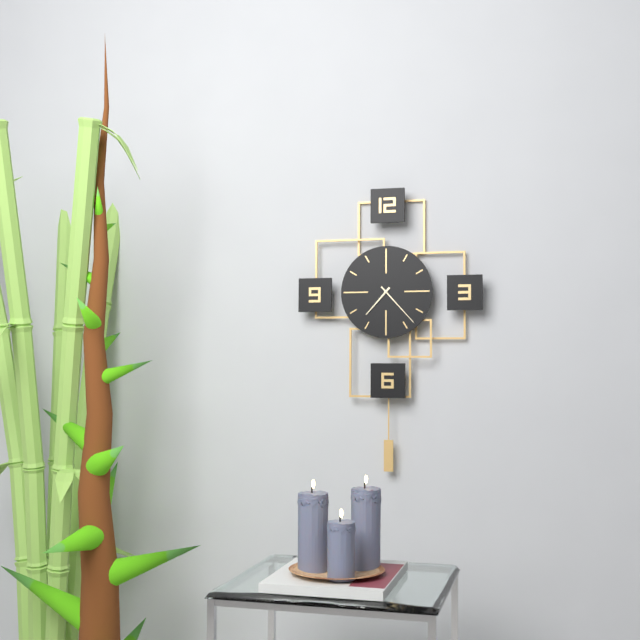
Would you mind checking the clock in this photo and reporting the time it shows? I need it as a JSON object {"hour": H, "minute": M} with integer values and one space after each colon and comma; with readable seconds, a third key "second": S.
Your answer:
{"hour": 7, "minute": 23}
